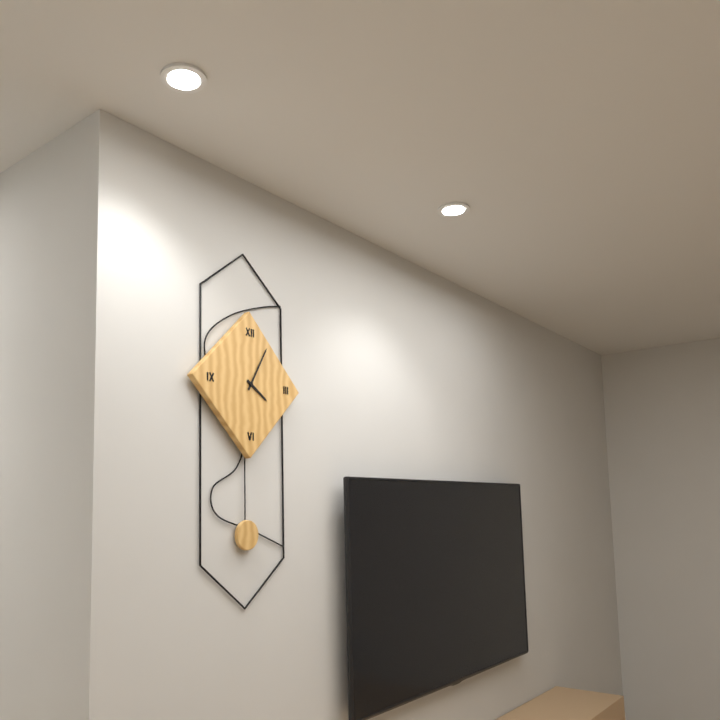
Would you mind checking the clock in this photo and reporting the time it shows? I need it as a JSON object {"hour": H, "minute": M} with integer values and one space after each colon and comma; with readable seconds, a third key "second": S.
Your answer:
{"hour": 4, "minute": 5}
